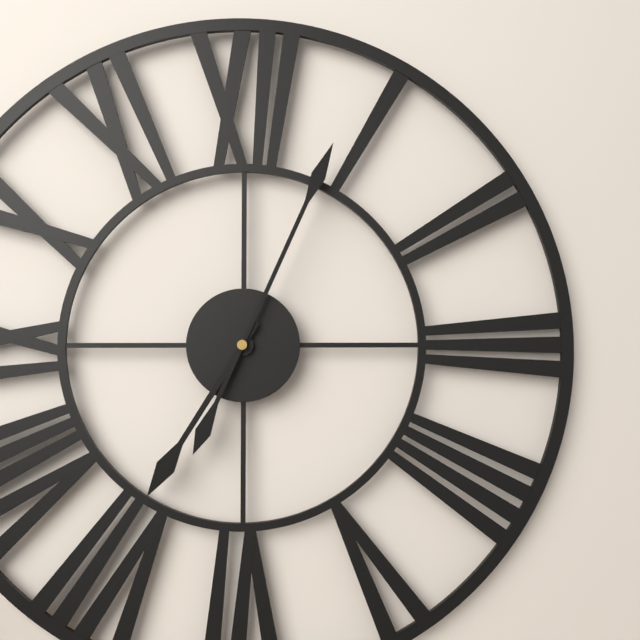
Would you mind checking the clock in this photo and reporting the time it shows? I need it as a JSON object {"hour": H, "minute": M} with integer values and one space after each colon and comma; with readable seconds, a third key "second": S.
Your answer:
{"hour": 7, "minute": 4}
